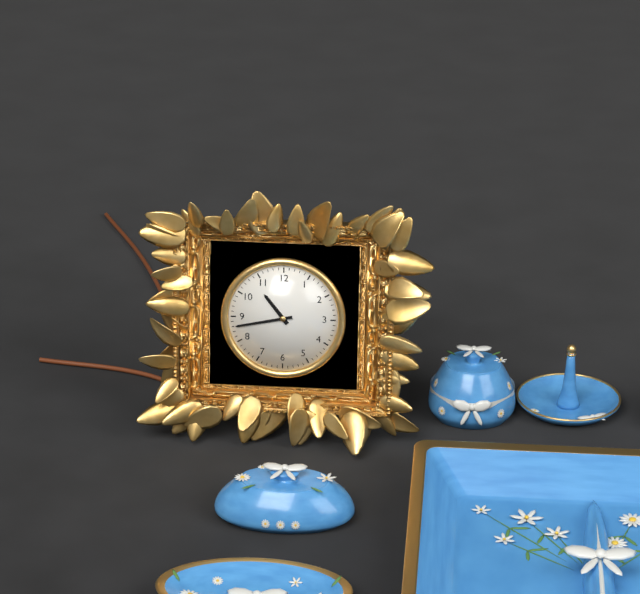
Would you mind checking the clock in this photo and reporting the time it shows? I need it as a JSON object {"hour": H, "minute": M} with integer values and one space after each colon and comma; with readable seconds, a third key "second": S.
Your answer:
{"hour": 10, "minute": 43}
